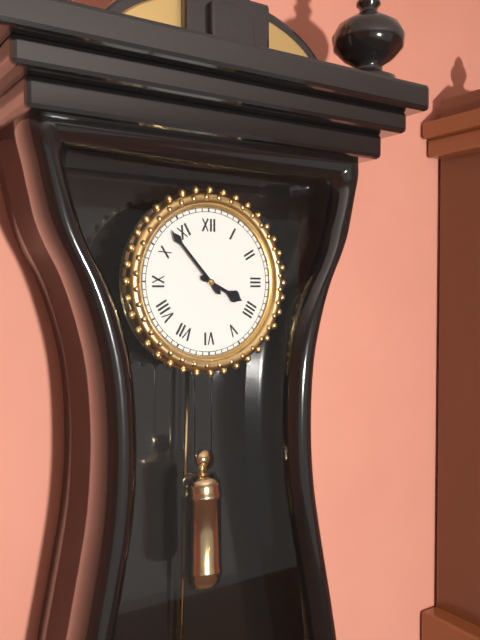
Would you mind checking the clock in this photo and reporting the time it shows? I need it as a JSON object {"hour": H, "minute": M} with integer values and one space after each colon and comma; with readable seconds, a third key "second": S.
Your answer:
{"hour": 3, "minute": 53}
